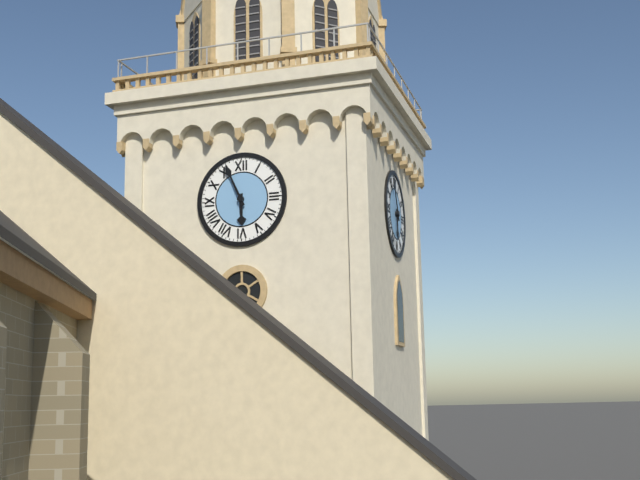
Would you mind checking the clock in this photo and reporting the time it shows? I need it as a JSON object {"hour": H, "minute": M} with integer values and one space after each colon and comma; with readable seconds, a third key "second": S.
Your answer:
{"hour": 5, "minute": 56}
